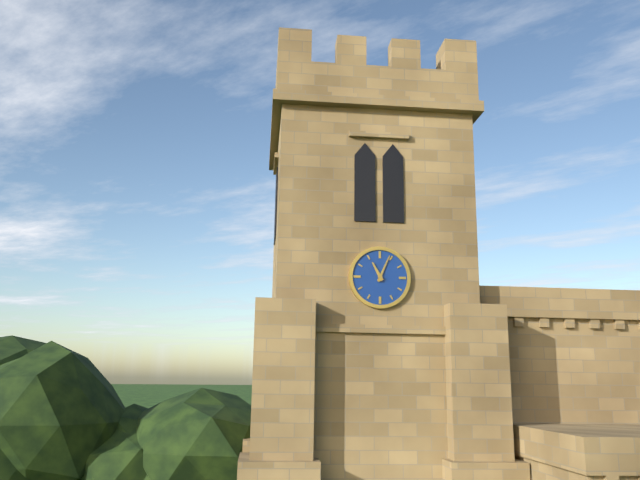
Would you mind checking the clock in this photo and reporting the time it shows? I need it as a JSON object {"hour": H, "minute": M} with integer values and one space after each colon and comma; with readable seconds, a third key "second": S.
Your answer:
{"hour": 11, "minute": 4}
